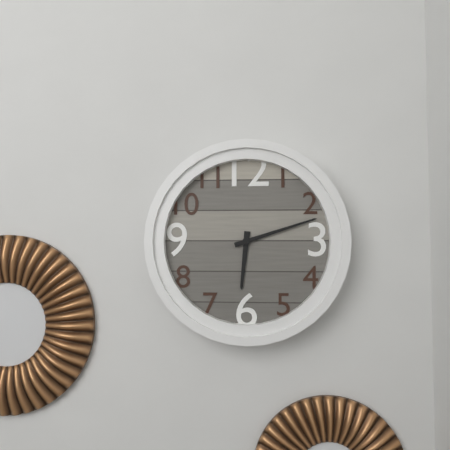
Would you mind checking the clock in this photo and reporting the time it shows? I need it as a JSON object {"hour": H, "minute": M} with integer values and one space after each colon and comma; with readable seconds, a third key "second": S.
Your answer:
{"hour": 6, "minute": 12}
